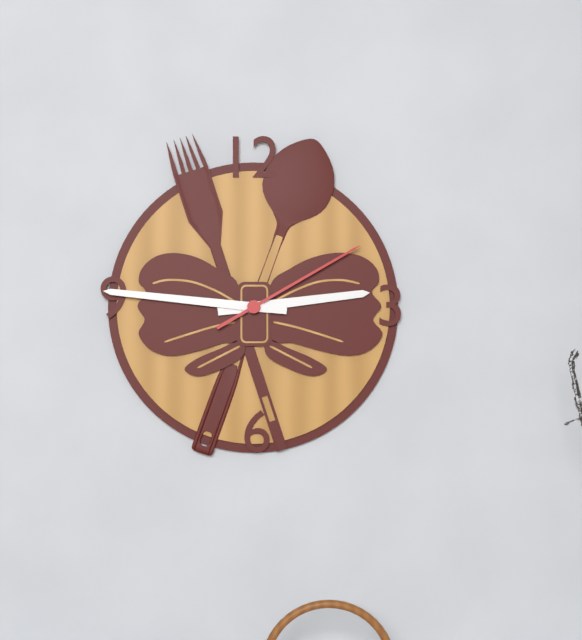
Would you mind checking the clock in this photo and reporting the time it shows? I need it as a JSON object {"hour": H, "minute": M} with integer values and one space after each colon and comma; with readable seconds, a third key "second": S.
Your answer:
{"hour": 2, "minute": 46, "second": 10}
